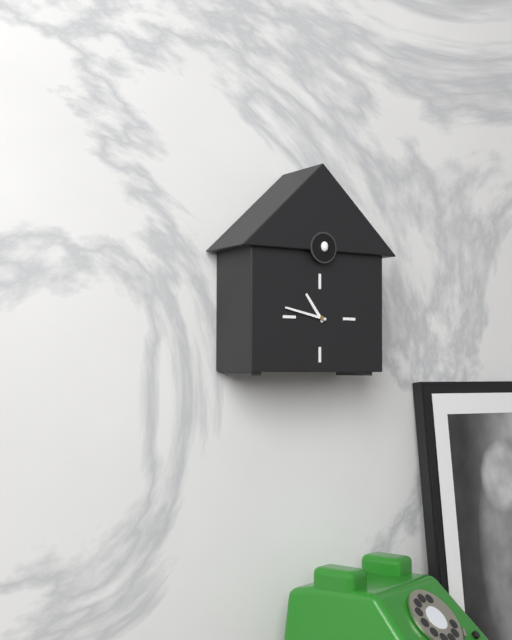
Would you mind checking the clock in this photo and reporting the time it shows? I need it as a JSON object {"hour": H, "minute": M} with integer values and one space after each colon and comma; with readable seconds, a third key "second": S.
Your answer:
{"hour": 10, "minute": 47}
